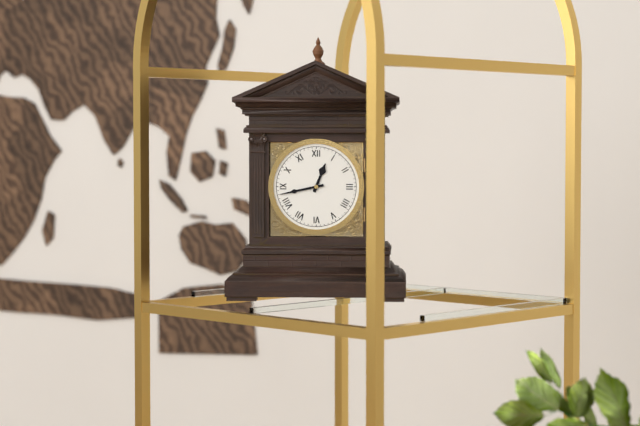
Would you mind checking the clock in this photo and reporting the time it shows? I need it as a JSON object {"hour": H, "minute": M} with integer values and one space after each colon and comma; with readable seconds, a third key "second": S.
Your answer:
{"hour": 12, "minute": 43}
